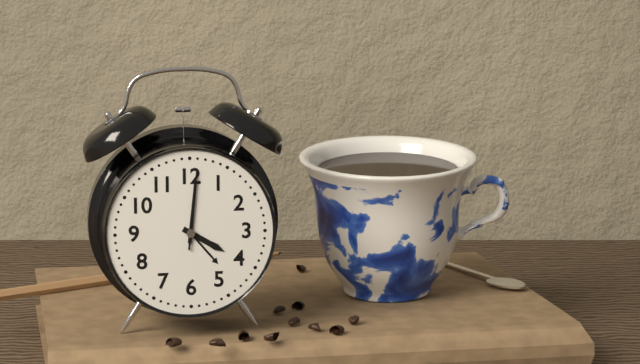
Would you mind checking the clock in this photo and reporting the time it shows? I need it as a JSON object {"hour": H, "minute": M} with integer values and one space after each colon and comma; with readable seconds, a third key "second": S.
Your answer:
{"hour": 4, "minute": 1, "second": 1}
